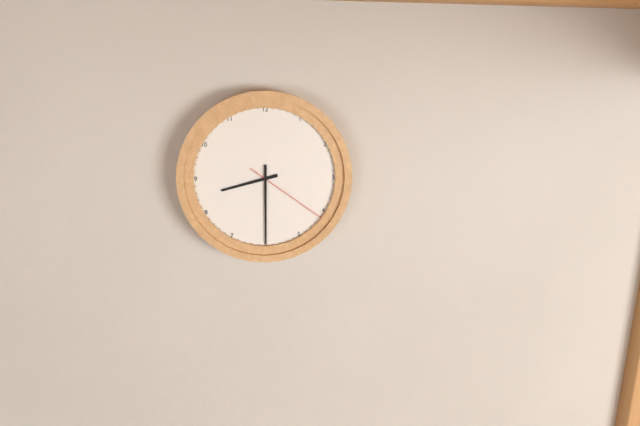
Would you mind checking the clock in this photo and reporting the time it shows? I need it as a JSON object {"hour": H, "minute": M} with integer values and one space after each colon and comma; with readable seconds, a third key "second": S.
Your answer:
{"hour": 8, "minute": 30, "second": 21}
